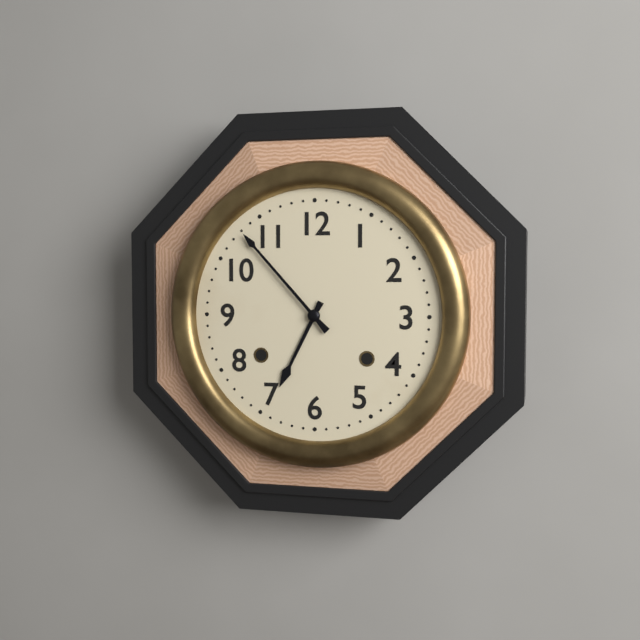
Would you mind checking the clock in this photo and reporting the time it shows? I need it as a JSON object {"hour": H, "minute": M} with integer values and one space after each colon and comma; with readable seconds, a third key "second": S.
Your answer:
{"hour": 6, "minute": 53}
